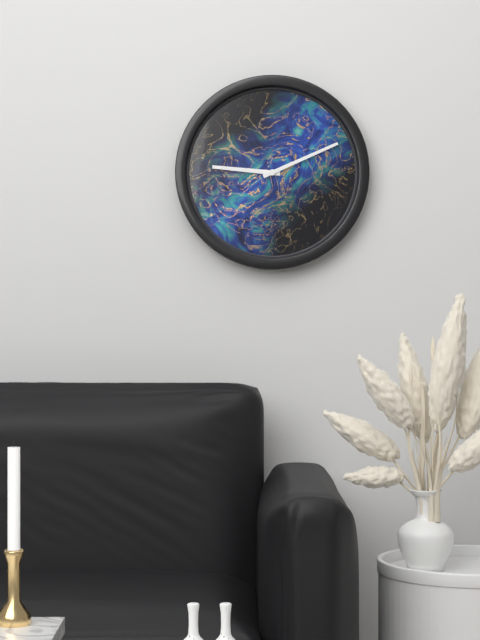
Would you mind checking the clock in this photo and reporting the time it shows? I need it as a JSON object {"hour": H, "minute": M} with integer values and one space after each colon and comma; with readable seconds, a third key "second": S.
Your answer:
{"hour": 9, "minute": 11}
